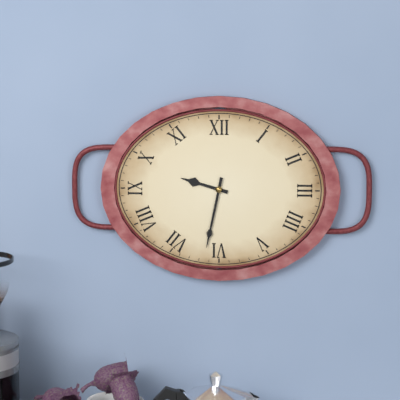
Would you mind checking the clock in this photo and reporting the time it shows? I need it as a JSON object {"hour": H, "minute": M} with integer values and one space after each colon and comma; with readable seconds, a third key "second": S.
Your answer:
{"hour": 9, "minute": 32}
